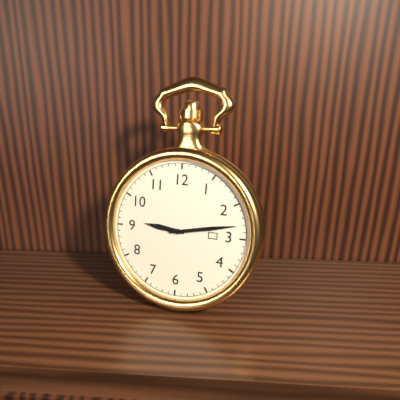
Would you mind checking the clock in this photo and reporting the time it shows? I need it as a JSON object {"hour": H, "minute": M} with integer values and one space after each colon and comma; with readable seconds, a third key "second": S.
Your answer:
{"hour": 9, "minute": 13}
